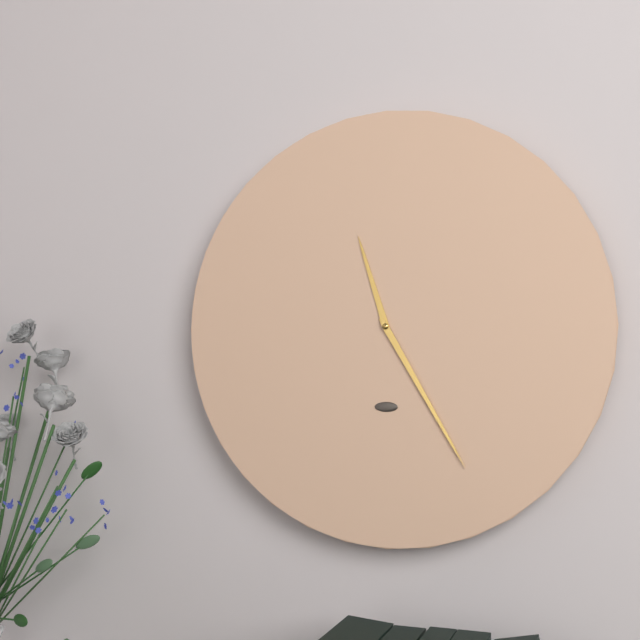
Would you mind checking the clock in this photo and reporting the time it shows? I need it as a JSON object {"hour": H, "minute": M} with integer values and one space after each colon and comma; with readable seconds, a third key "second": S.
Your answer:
{"hour": 11, "minute": 25}
